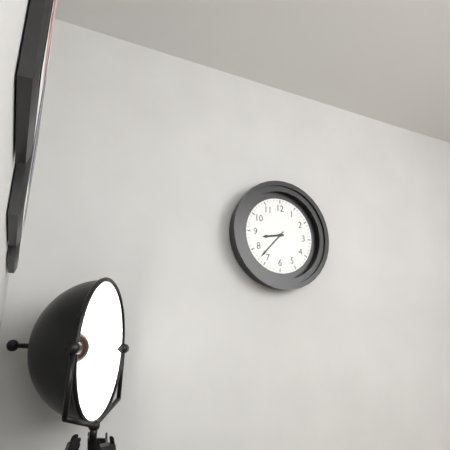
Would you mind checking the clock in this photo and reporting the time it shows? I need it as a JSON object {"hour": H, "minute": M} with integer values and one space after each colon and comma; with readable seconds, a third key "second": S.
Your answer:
{"hour": 8, "minute": 37}
